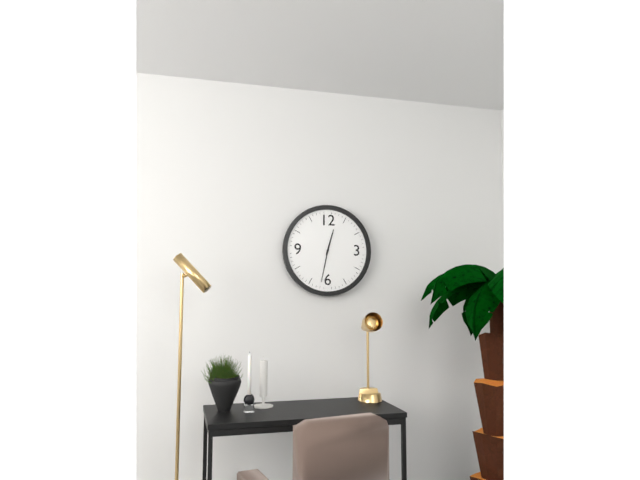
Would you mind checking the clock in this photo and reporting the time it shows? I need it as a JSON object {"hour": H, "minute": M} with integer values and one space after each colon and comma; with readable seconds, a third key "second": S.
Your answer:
{"hour": 12, "minute": 32}
